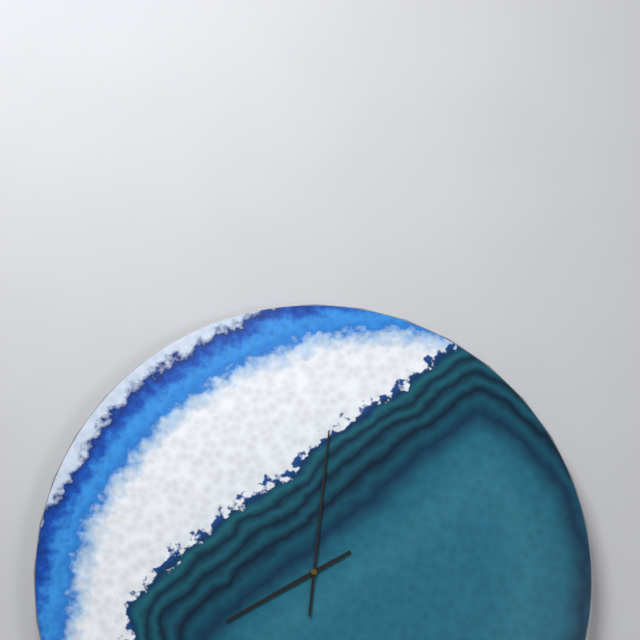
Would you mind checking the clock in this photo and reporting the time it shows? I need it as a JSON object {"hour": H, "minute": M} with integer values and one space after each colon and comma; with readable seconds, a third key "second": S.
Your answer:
{"hour": 8, "minute": 1}
